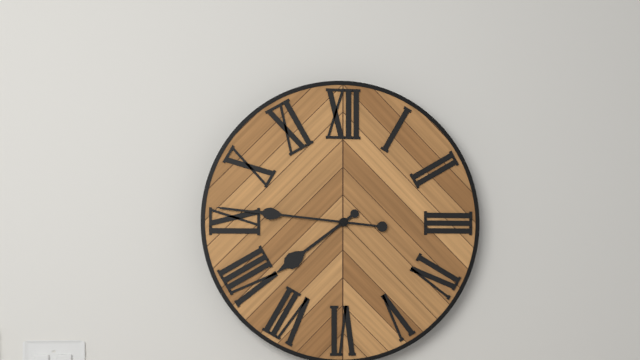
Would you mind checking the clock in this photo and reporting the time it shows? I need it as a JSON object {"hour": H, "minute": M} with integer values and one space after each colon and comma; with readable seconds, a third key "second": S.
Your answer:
{"hour": 7, "minute": 46}
